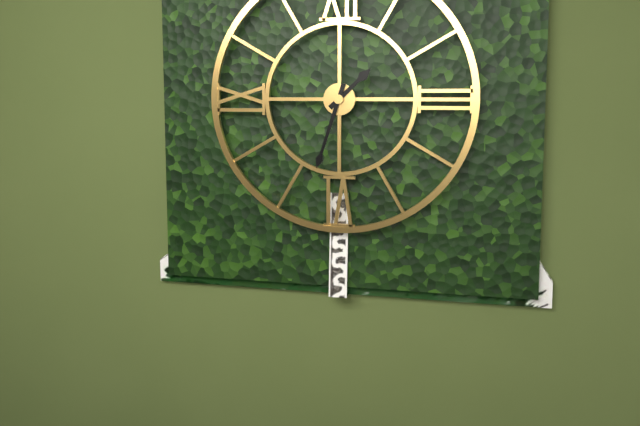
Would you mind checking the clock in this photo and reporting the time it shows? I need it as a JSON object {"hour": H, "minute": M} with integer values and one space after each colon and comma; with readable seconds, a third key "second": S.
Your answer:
{"hour": 1, "minute": 33}
